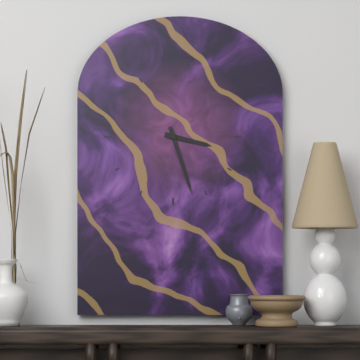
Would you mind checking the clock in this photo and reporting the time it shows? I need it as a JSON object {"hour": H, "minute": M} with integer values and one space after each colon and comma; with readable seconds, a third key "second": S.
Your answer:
{"hour": 3, "minute": 27}
